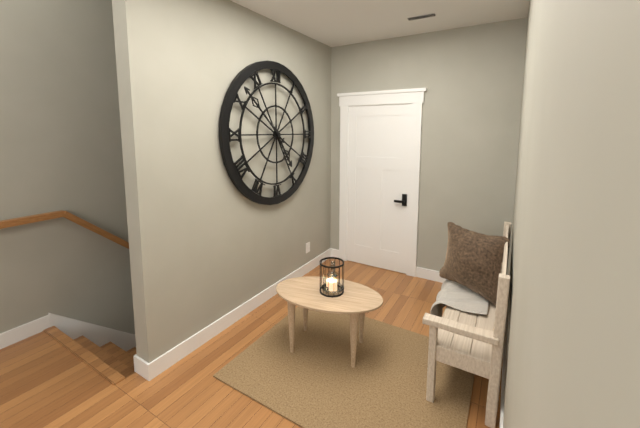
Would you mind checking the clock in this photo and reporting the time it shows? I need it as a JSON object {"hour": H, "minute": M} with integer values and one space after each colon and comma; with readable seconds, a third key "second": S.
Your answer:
{"hour": 4, "minute": 52}
